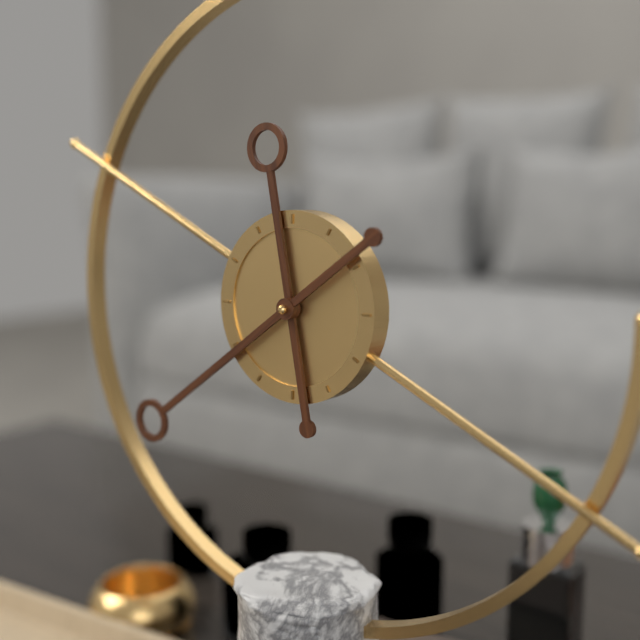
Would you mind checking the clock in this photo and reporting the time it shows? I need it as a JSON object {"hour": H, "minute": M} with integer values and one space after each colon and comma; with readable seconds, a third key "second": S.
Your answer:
{"hour": 11, "minute": 39}
